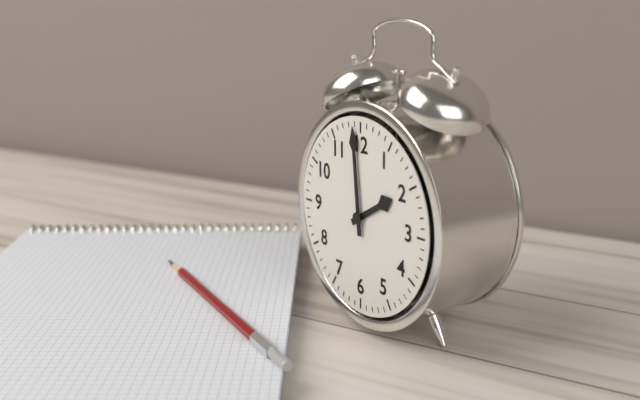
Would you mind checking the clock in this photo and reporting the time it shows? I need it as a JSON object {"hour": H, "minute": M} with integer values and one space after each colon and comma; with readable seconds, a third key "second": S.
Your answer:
{"hour": 1, "minute": 59}
